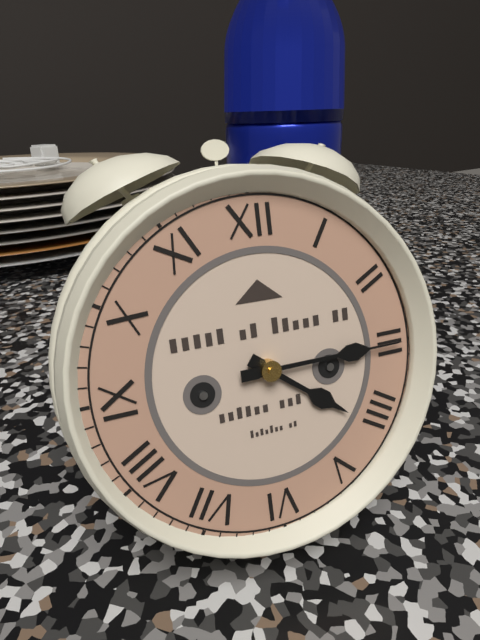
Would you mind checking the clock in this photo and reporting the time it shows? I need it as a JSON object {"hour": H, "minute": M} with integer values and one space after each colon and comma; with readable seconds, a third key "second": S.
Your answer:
{"hour": 4, "minute": 15}
